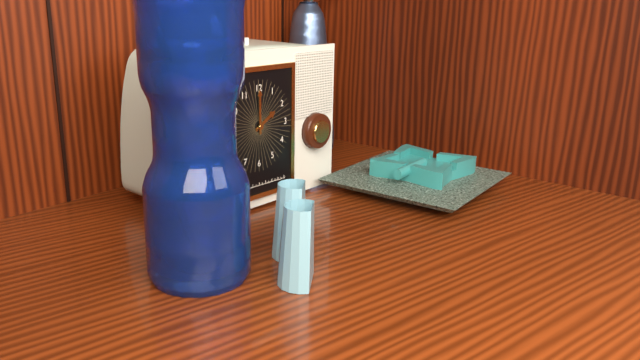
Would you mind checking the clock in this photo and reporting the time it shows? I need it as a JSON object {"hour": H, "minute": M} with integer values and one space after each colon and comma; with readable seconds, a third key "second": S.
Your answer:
{"hour": 2, "minute": 0}
